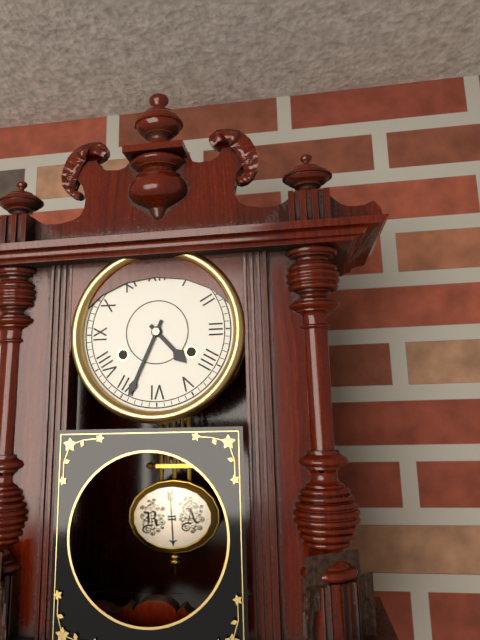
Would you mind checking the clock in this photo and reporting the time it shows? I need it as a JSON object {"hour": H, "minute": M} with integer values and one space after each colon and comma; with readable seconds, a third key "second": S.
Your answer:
{"hour": 4, "minute": 34}
